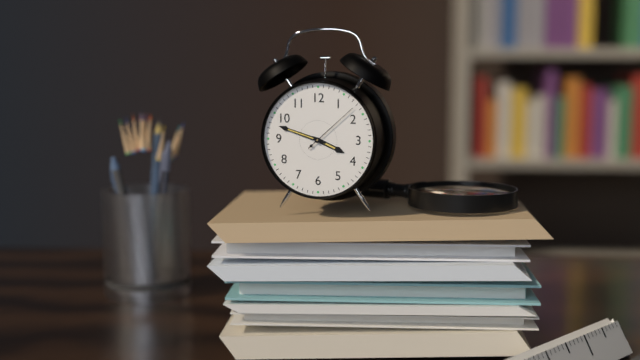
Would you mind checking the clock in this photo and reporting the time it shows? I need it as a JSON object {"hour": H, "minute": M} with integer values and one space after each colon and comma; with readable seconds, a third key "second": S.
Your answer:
{"hour": 3, "minute": 48, "second": 8}
